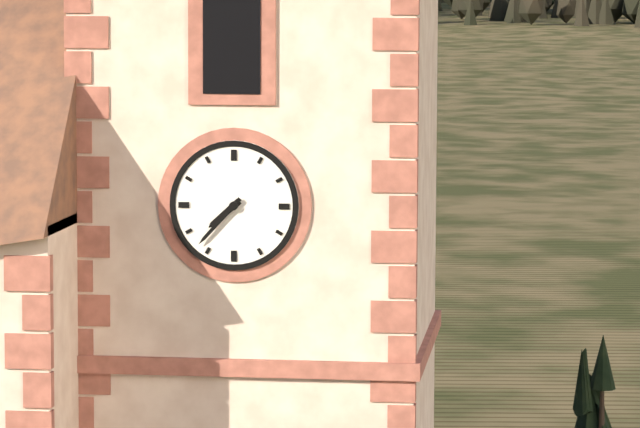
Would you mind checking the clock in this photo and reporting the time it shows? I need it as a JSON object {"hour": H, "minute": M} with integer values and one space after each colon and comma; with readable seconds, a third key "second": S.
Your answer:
{"hour": 7, "minute": 37}
